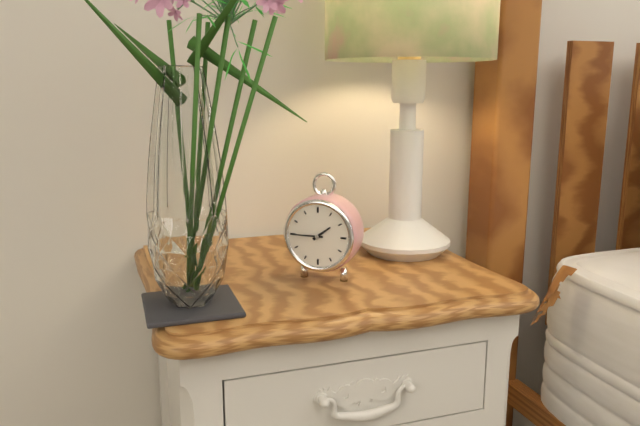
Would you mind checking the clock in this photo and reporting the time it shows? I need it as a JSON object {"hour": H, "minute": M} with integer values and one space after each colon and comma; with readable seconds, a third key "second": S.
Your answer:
{"hour": 1, "minute": 45}
